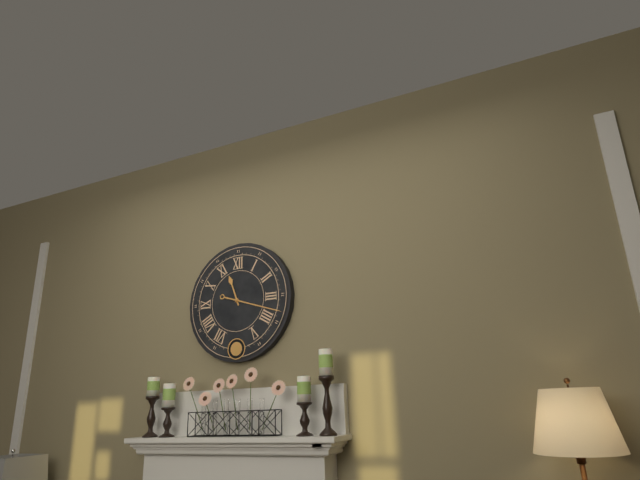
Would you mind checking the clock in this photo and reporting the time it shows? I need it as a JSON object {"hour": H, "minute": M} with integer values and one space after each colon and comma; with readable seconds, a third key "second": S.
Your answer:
{"hour": 11, "minute": 18}
